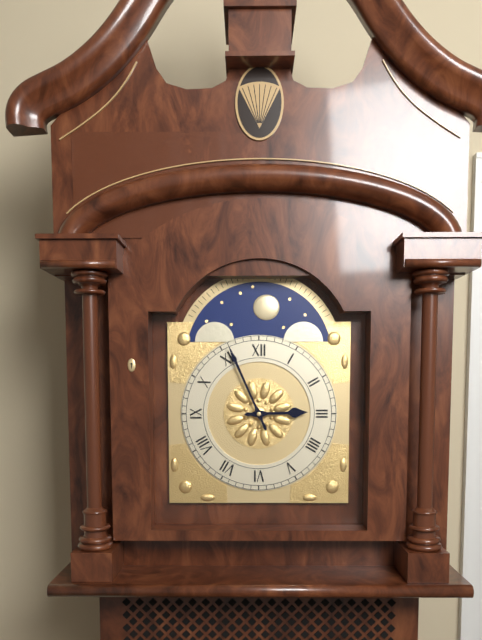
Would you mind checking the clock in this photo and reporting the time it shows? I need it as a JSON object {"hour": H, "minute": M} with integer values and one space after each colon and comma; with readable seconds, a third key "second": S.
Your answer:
{"hour": 2, "minute": 56}
